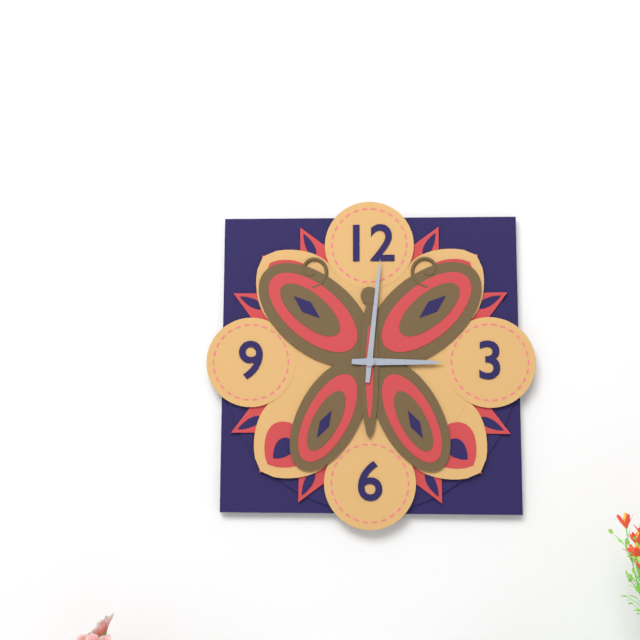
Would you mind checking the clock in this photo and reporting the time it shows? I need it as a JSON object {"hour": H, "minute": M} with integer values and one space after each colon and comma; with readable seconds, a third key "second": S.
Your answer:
{"hour": 3, "minute": 1}
